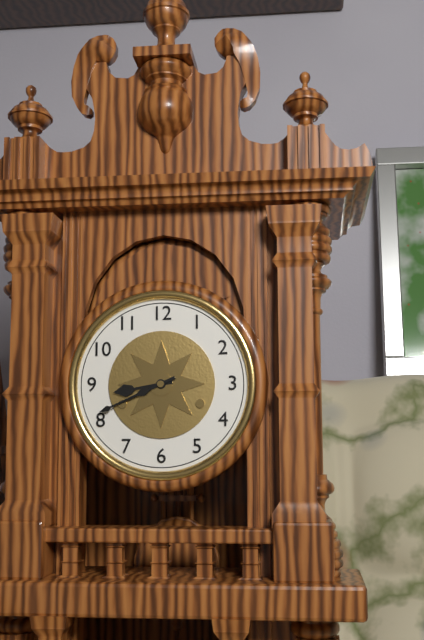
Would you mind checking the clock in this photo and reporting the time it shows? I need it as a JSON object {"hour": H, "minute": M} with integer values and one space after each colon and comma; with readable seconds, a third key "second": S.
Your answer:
{"hour": 8, "minute": 41}
